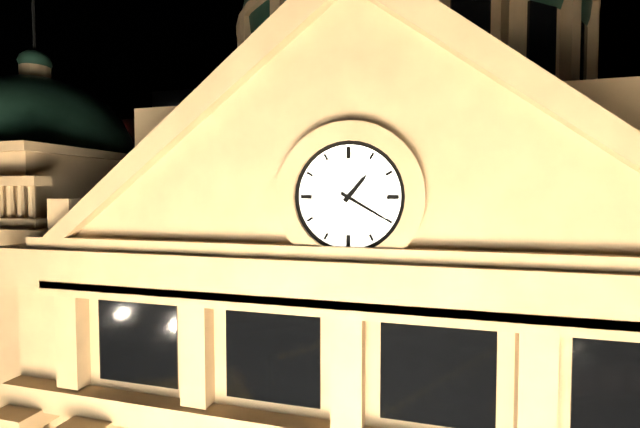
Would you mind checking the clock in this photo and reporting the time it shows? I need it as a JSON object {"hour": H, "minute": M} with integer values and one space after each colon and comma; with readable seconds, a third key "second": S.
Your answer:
{"hour": 1, "minute": 20}
